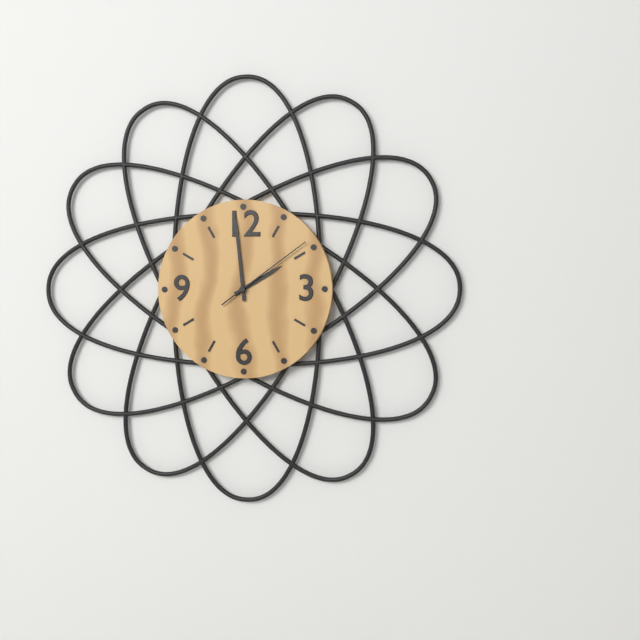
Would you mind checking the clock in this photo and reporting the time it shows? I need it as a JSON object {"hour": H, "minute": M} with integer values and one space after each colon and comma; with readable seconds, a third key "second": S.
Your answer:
{"hour": 1, "minute": 59, "second": 9}
